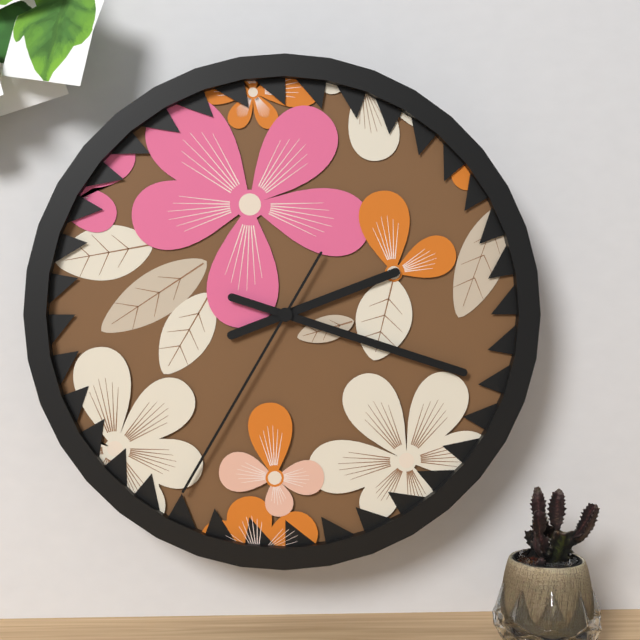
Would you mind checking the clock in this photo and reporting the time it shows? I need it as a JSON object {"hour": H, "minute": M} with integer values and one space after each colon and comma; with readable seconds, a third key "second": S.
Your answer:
{"hour": 2, "minute": 18, "second": 35}
